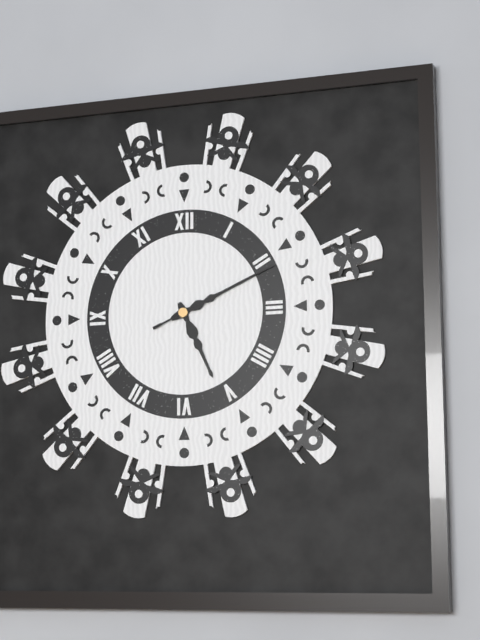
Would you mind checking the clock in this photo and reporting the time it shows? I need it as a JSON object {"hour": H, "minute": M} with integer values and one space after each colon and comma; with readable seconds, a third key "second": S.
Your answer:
{"hour": 5, "minute": 11, "second": 11}
